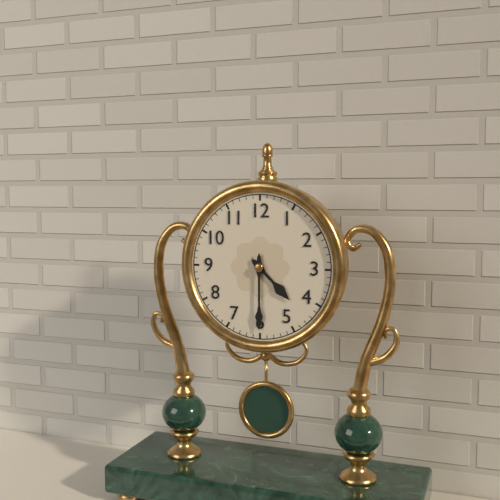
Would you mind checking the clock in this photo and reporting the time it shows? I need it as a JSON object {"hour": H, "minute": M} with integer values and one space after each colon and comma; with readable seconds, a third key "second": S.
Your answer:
{"hour": 4, "minute": 30}
